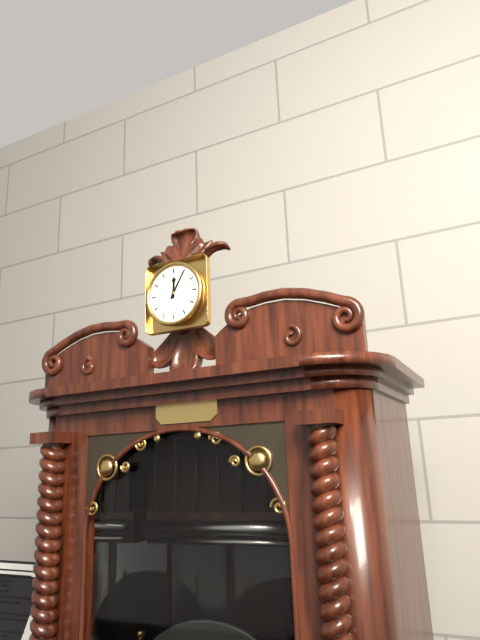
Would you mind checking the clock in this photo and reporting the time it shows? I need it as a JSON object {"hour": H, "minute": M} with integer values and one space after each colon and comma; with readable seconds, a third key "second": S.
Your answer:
{"hour": 12, "minute": 5}
